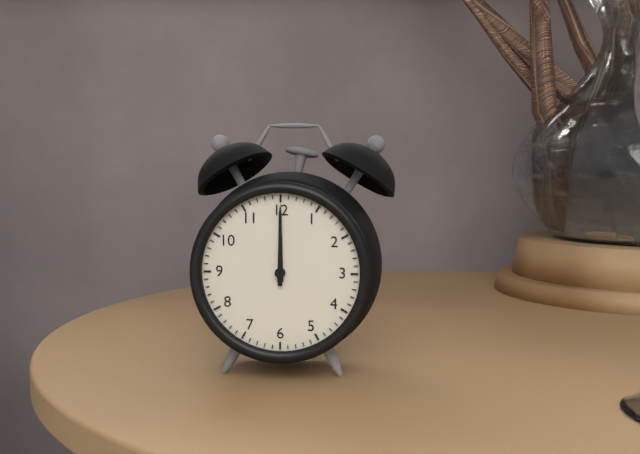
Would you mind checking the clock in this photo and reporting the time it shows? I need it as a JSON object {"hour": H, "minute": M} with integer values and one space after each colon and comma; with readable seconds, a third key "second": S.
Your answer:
{"hour": 12, "minute": 0}
